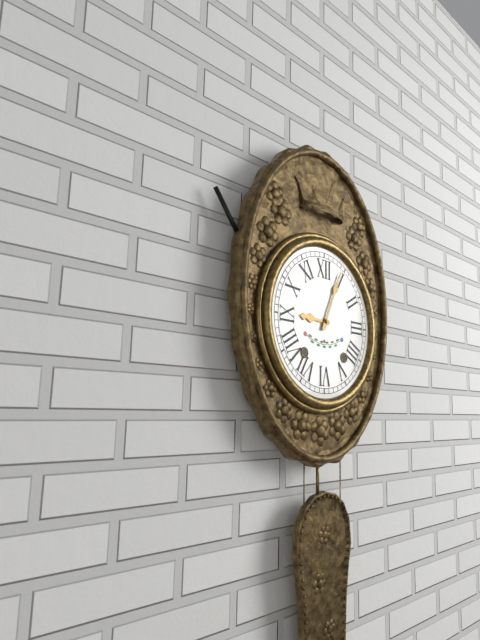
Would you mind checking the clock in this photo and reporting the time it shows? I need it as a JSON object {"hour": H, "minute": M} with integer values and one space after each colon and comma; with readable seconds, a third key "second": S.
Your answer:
{"hour": 9, "minute": 4}
